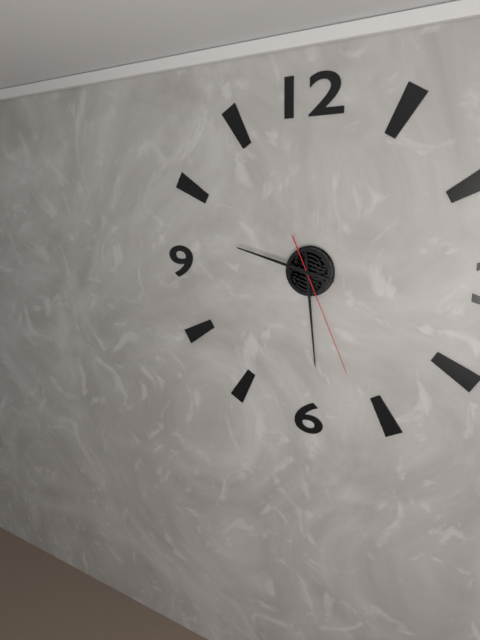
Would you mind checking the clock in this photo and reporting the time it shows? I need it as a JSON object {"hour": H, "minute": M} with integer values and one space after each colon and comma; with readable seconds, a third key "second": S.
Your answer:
{"hour": 9, "minute": 29, "second": 26}
